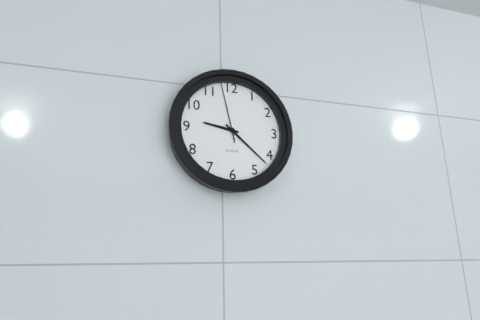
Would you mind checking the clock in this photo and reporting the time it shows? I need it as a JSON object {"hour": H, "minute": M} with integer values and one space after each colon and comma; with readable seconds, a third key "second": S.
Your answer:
{"hour": 9, "minute": 22, "second": 58}
